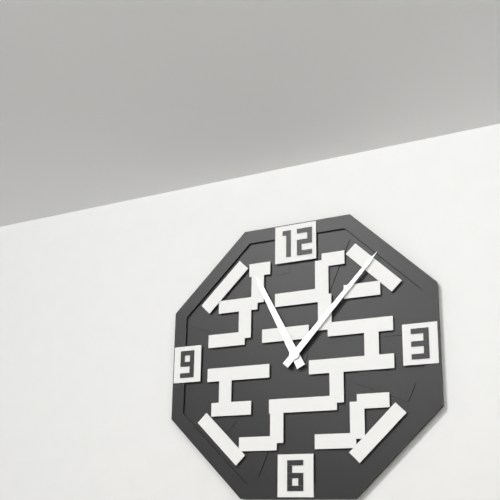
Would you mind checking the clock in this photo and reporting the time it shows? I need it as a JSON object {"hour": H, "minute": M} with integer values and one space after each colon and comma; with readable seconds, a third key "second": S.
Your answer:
{"hour": 11, "minute": 7}
